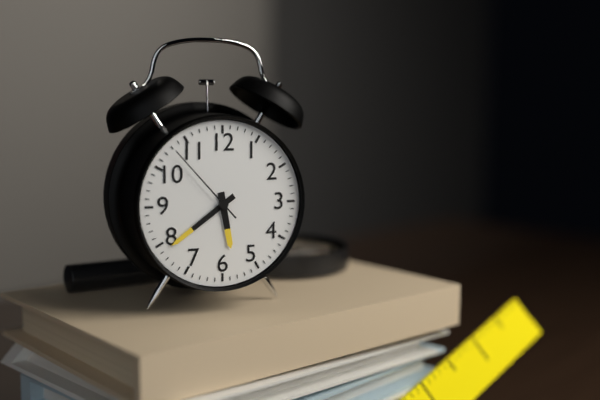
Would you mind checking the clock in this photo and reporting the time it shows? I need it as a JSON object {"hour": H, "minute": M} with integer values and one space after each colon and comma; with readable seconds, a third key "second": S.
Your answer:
{"hour": 5, "minute": 39, "second": 53}
